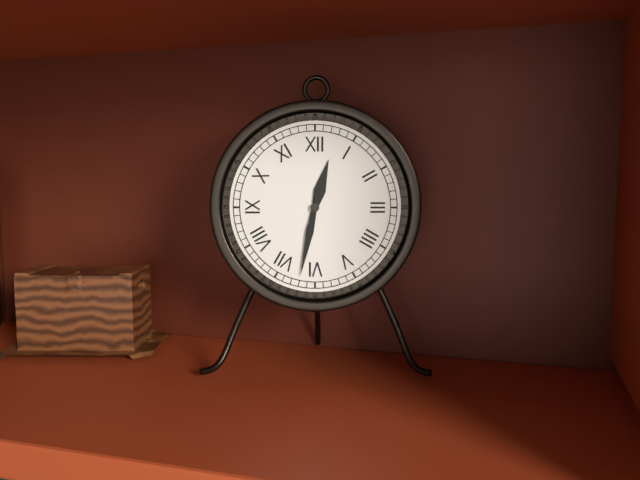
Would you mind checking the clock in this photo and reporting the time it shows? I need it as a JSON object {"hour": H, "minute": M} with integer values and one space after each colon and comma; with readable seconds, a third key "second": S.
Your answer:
{"hour": 12, "minute": 32}
